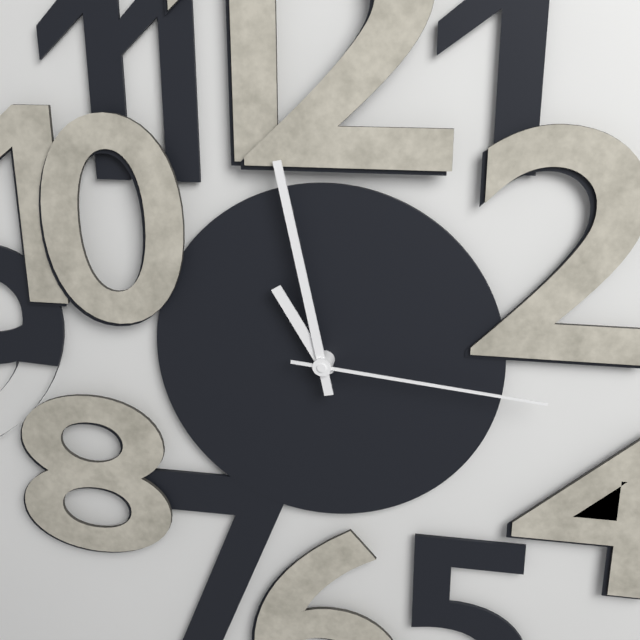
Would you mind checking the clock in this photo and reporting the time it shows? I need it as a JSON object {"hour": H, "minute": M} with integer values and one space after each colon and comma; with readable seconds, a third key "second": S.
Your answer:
{"hour": 10, "minute": 58, "second": 16}
